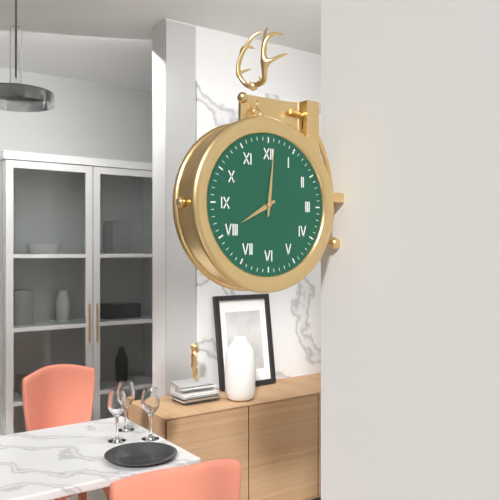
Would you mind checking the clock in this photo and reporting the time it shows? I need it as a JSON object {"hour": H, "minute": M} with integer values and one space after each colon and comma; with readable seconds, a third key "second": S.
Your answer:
{"hour": 8, "minute": 1}
